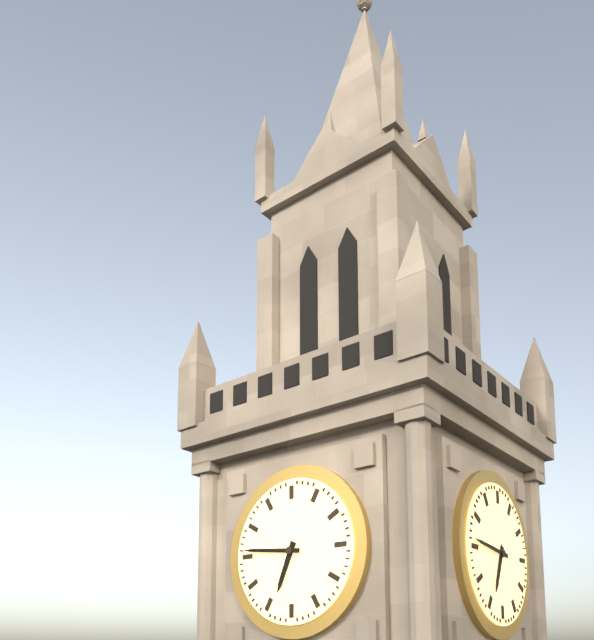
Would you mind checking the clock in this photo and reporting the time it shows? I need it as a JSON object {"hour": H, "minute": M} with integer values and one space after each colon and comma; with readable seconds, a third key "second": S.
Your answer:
{"hour": 6, "minute": 46}
